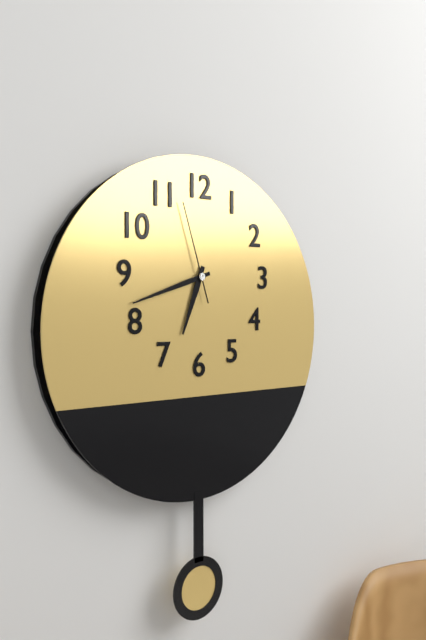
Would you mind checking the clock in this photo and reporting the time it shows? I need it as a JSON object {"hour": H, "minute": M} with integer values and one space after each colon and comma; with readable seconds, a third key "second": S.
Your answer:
{"hour": 6, "minute": 42, "second": 57}
